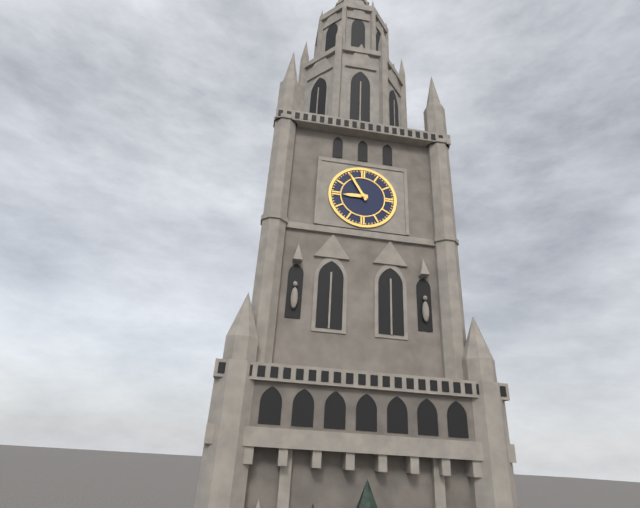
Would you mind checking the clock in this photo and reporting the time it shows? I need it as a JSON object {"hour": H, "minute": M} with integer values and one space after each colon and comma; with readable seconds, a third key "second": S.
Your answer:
{"hour": 8, "minute": 55}
